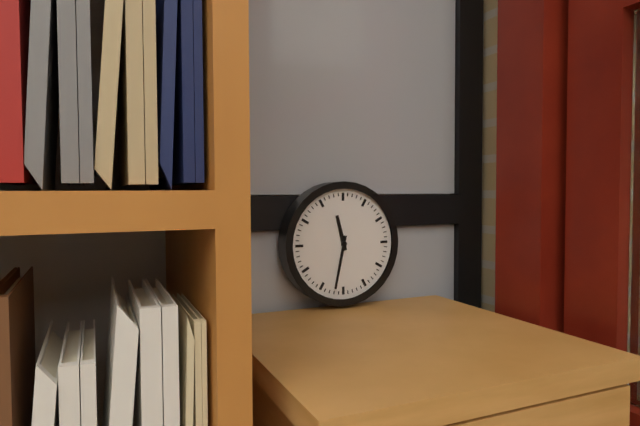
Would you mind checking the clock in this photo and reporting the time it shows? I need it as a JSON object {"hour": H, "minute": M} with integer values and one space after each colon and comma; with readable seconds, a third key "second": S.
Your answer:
{"hour": 11, "minute": 32}
